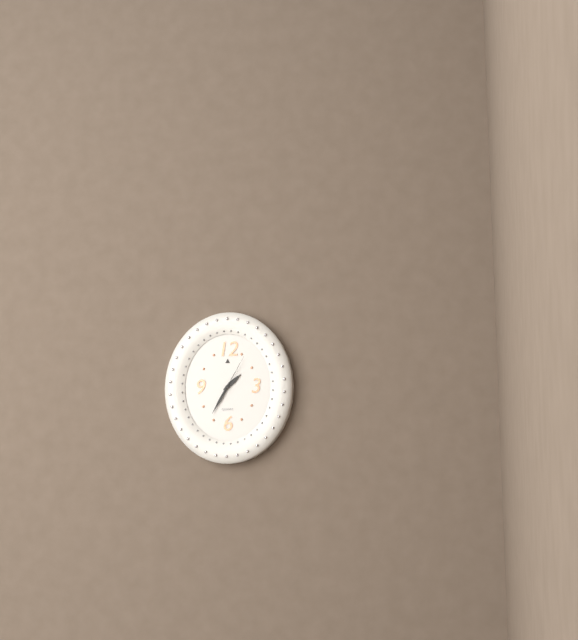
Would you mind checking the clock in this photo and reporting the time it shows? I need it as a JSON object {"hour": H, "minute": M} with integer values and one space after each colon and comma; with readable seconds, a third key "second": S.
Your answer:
{"hour": 1, "minute": 35}
